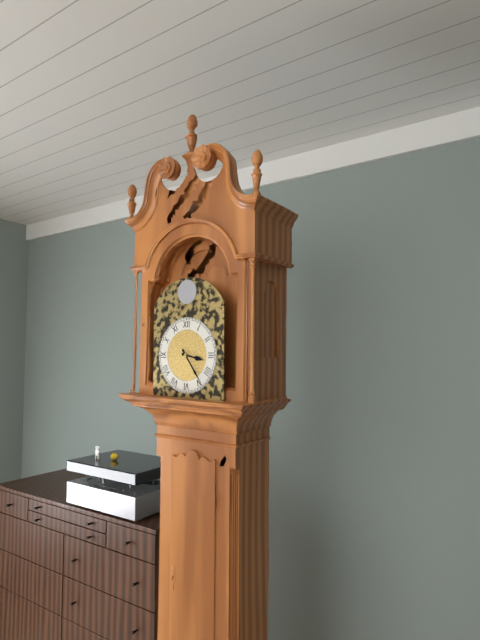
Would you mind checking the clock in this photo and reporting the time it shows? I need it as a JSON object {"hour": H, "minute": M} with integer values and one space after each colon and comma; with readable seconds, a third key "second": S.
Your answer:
{"hour": 3, "minute": 24}
